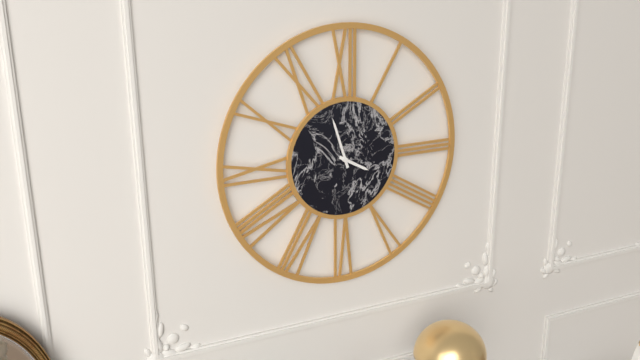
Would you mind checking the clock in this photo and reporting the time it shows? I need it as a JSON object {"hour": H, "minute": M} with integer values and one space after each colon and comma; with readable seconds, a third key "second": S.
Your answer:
{"hour": 3, "minute": 57}
